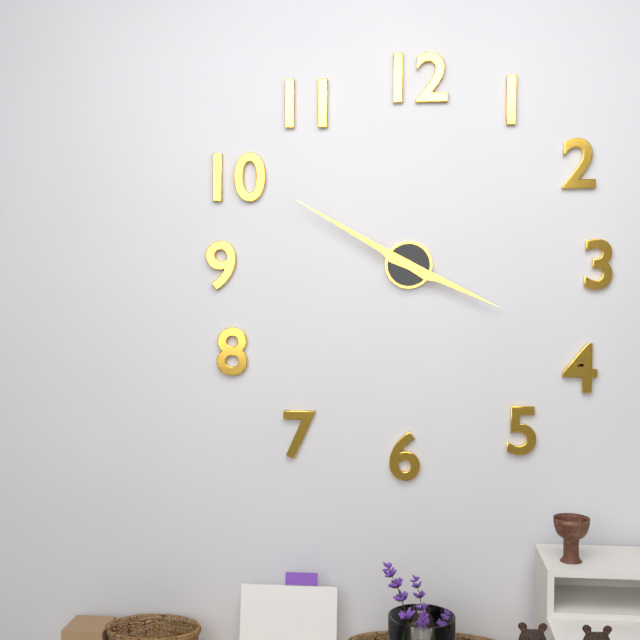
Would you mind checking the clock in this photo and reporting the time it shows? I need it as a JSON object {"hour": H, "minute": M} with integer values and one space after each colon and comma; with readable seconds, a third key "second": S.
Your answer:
{"hour": 3, "minute": 50}
